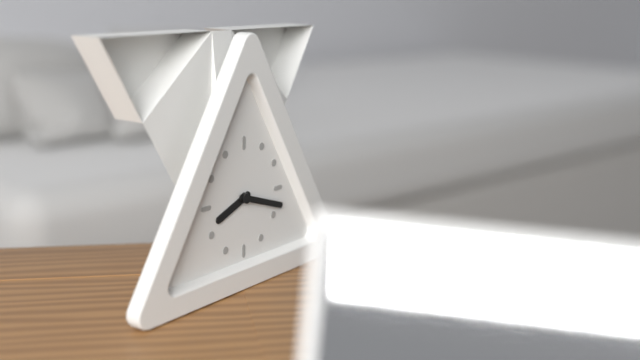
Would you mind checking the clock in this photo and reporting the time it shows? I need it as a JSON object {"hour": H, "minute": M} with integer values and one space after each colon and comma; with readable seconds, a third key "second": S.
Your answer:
{"hour": 8, "minute": 18}
